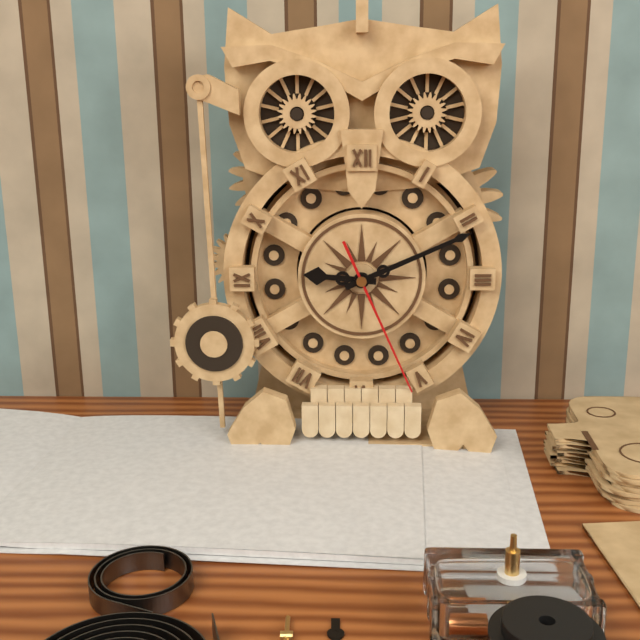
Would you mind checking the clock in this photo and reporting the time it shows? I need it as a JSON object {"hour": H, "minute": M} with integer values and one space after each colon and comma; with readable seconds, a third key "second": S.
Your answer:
{"hour": 9, "minute": 11, "second": 26}
